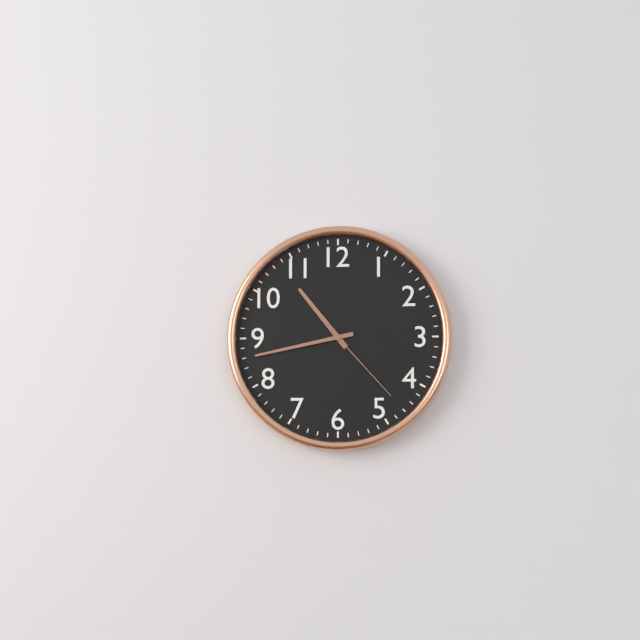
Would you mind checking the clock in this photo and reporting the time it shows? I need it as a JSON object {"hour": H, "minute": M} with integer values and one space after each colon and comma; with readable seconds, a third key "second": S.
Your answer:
{"hour": 10, "minute": 43, "second": 23}
